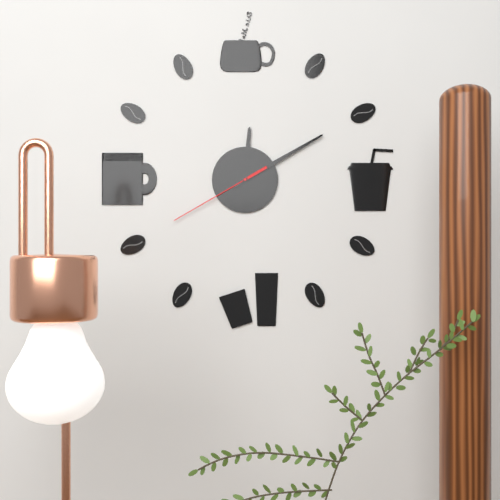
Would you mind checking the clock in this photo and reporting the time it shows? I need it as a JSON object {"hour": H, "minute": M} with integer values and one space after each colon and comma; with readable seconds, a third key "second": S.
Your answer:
{"hour": 12, "minute": 10, "second": 40}
